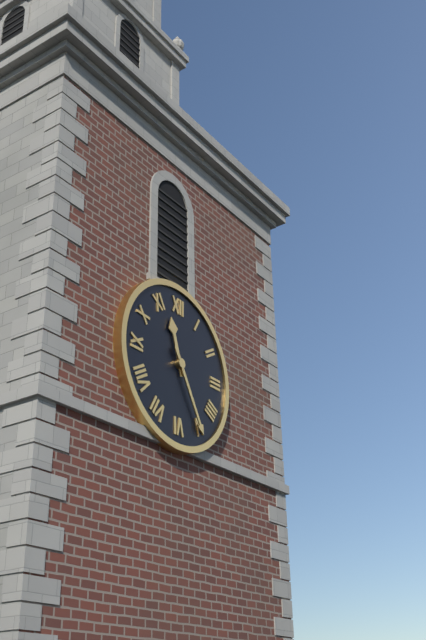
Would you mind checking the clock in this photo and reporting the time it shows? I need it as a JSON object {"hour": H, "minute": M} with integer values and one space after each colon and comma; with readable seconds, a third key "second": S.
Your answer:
{"hour": 11, "minute": 25}
